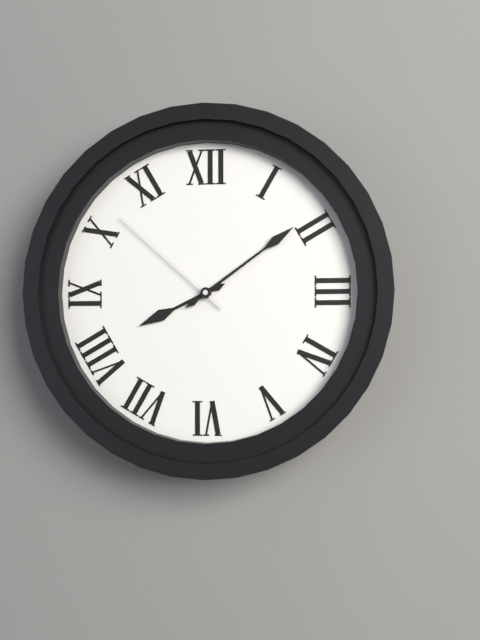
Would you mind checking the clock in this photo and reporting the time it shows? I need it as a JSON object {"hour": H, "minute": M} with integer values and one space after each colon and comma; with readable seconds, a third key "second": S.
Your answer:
{"hour": 8, "minute": 9, "second": 52}
